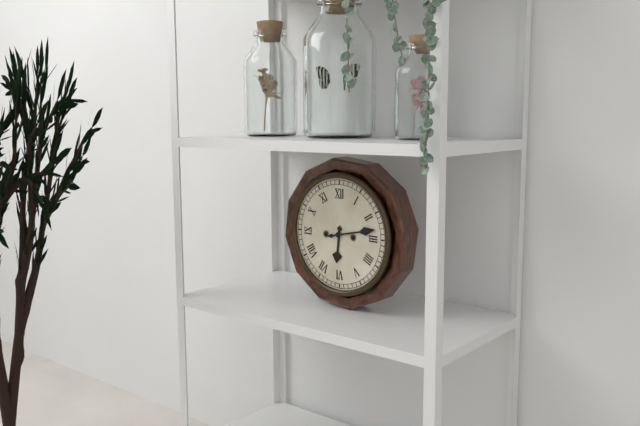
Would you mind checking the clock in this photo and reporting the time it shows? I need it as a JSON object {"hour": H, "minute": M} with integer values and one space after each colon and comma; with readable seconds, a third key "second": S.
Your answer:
{"hour": 6, "minute": 13}
